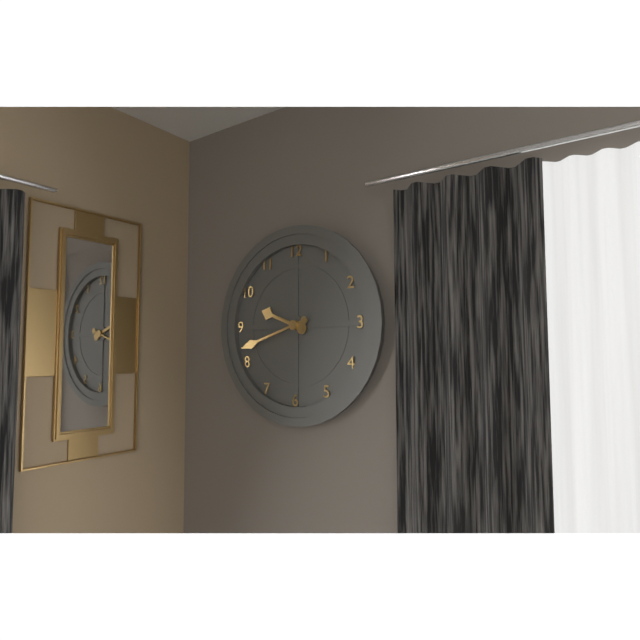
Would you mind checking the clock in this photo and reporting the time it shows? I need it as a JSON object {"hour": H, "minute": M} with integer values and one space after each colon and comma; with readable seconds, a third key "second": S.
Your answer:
{"hour": 9, "minute": 42}
